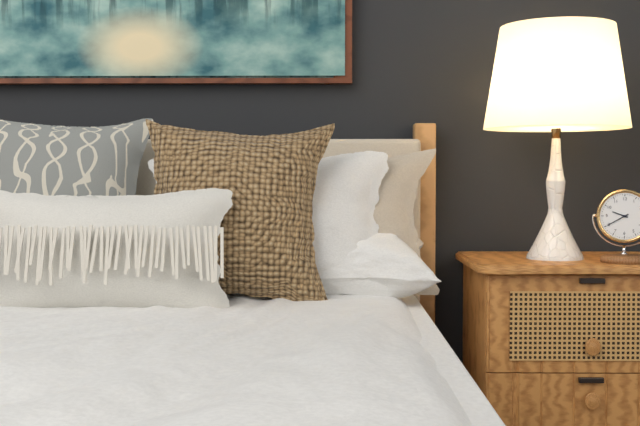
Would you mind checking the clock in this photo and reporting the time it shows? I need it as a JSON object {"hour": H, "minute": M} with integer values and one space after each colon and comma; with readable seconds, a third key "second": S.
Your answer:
{"hour": 9, "minute": 40}
